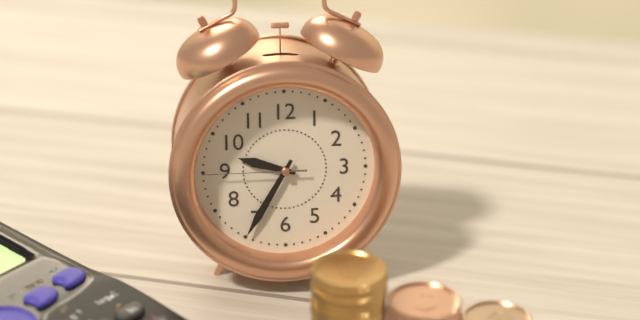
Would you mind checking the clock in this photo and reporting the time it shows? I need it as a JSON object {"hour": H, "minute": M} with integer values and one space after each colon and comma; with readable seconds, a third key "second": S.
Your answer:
{"hour": 9, "minute": 35, "second": 45}
